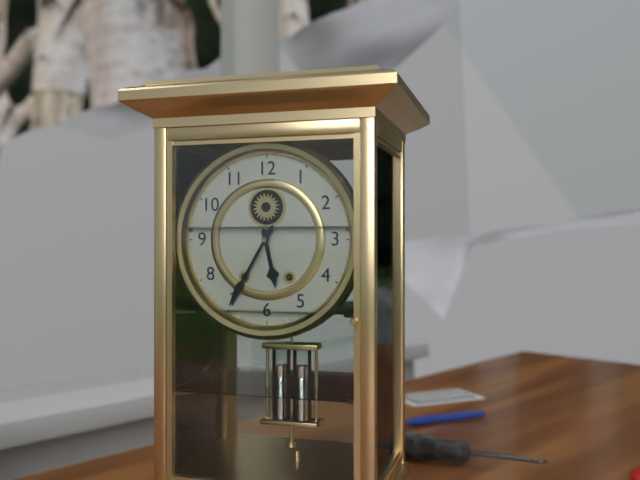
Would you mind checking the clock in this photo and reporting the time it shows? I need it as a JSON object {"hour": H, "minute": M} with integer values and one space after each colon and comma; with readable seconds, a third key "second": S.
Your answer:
{"hour": 5, "minute": 35}
